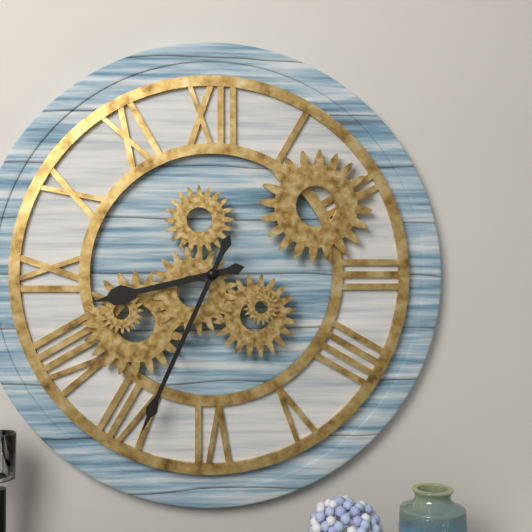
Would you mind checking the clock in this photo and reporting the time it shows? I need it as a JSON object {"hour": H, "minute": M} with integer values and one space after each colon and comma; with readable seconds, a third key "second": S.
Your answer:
{"hour": 8, "minute": 34}
